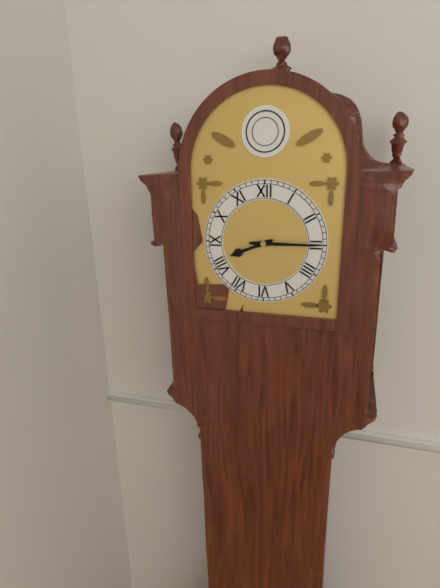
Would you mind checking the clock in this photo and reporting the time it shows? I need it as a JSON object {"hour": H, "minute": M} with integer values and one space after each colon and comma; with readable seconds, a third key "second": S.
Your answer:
{"hour": 8, "minute": 15}
